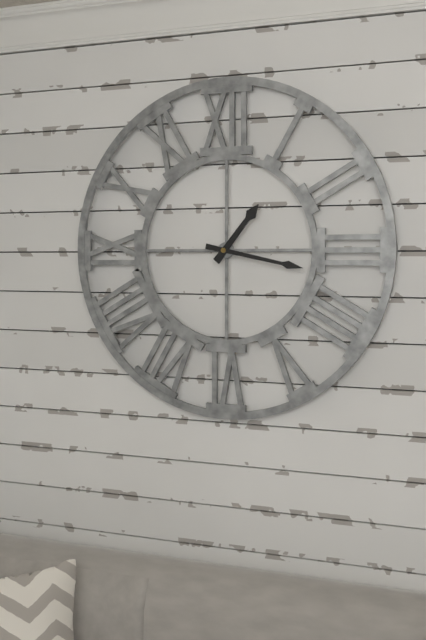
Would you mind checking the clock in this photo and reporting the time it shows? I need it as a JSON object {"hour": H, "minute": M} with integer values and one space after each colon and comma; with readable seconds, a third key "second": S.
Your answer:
{"hour": 1, "minute": 17}
